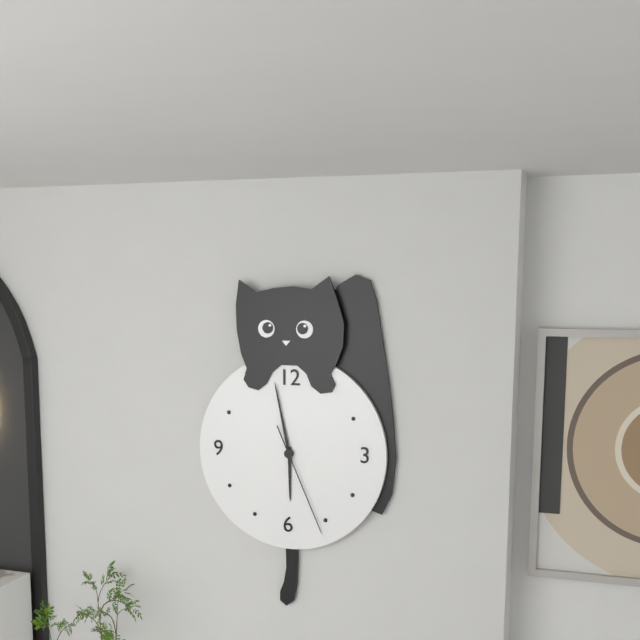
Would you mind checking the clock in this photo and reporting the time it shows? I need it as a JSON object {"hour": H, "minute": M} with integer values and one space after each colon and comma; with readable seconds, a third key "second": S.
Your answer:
{"hour": 5, "minute": 58, "second": 26}
